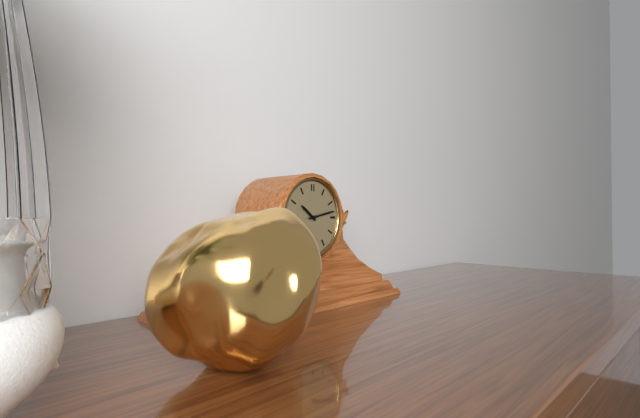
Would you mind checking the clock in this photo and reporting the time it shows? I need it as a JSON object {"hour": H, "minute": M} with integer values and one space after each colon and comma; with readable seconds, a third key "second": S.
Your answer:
{"hour": 10, "minute": 13}
